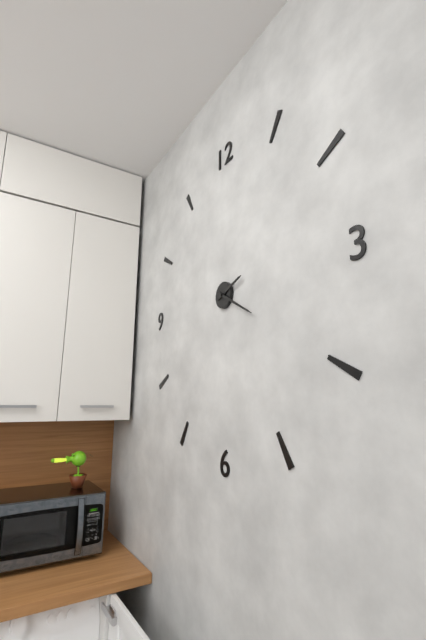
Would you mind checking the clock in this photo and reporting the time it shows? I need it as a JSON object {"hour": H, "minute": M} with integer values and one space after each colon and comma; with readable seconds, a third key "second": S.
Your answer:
{"hour": 2, "minute": 20}
